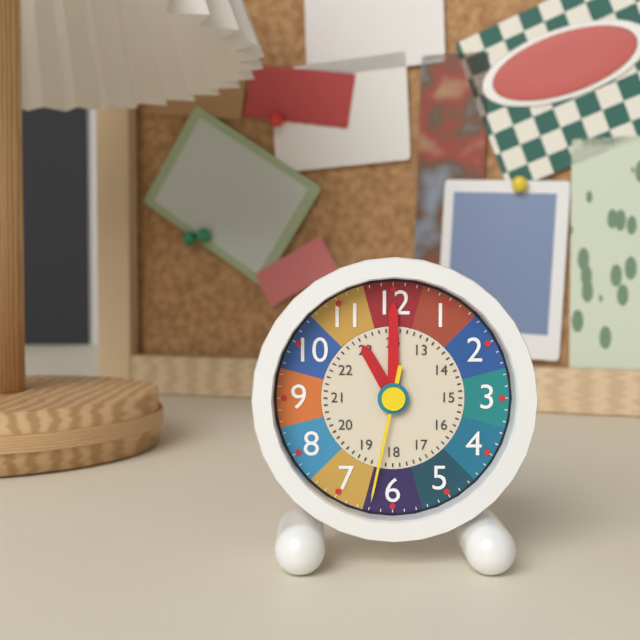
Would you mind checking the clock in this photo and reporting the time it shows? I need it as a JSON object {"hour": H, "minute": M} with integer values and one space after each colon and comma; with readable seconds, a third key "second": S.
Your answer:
{"hour": 11, "minute": 0, "second": 32}
